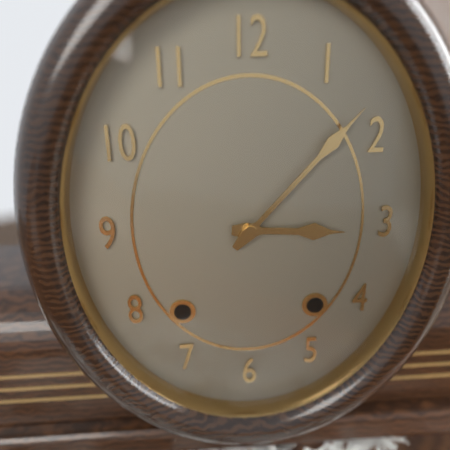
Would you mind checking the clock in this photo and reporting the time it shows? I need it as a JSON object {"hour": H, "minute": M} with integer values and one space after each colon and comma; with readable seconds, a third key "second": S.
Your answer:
{"hour": 3, "minute": 7}
